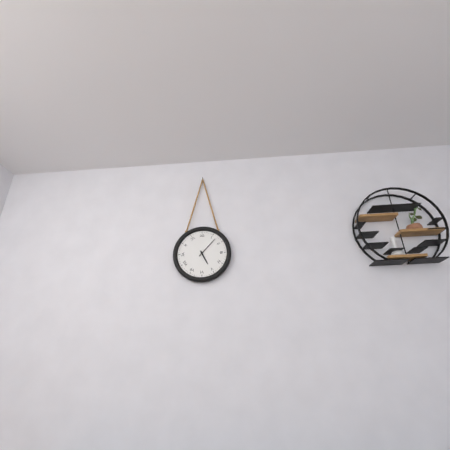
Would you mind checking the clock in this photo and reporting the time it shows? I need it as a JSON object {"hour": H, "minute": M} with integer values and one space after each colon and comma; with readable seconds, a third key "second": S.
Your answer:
{"hour": 5, "minute": 7}
